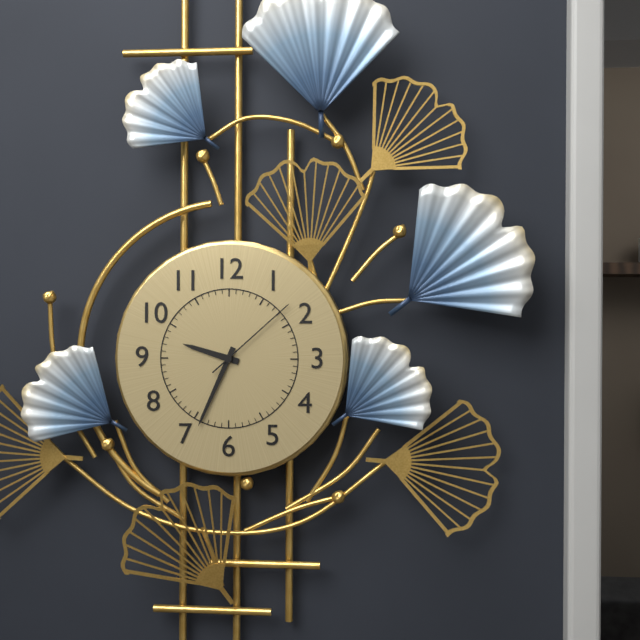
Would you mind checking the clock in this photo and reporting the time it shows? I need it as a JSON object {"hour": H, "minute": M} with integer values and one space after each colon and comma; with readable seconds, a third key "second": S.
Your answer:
{"hour": 9, "minute": 34, "second": 8}
